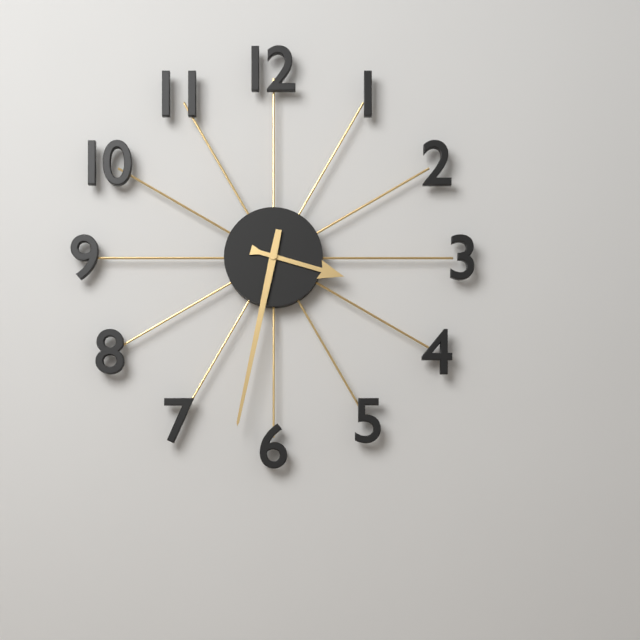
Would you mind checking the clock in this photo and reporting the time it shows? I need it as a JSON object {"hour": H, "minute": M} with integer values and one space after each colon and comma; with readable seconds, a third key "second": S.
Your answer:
{"hour": 3, "minute": 32}
